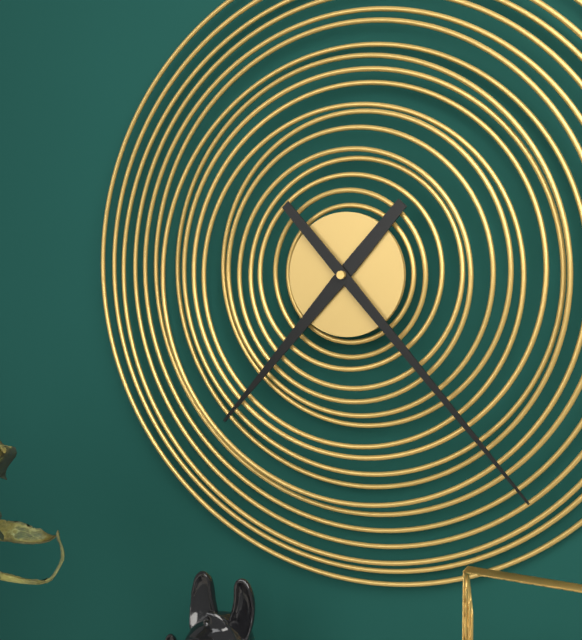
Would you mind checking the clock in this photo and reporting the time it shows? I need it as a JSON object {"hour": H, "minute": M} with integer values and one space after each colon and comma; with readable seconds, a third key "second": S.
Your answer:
{"hour": 7, "minute": 23}
